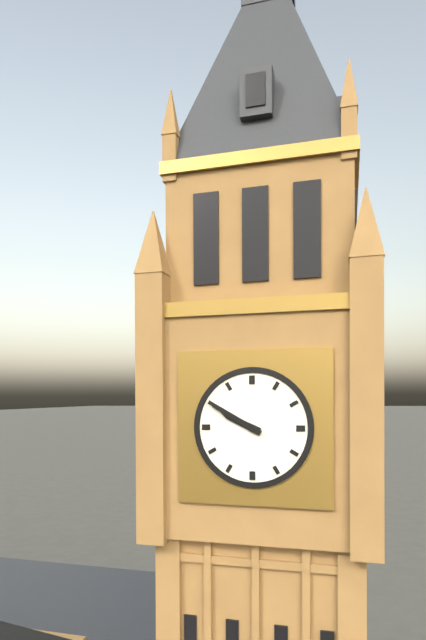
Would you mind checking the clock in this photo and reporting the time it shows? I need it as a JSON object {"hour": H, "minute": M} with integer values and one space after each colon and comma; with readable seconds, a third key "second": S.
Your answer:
{"hour": 9, "minute": 50}
